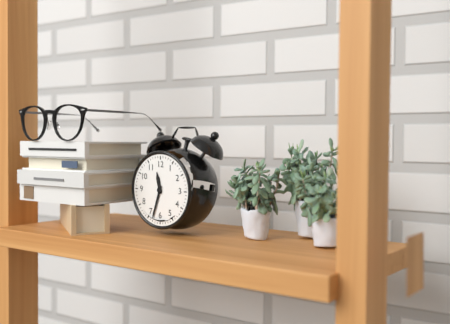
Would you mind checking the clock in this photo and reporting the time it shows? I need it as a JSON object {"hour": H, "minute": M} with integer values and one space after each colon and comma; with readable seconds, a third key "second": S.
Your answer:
{"hour": 11, "minute": 33}
